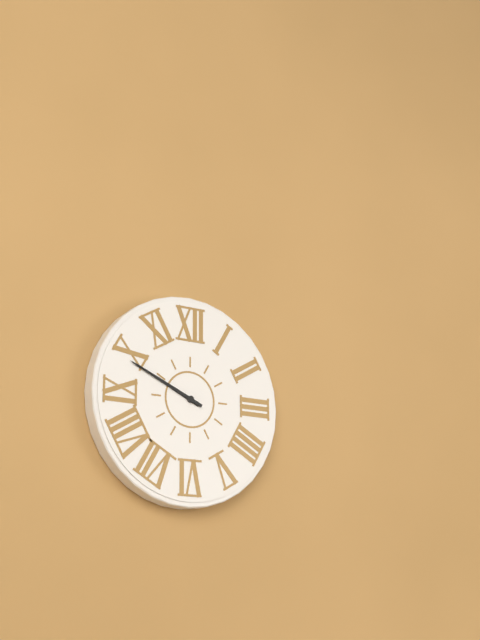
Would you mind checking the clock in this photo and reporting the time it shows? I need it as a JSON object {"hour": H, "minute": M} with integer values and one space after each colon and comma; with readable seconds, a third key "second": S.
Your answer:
{"hour": 9, "minute": 49}
